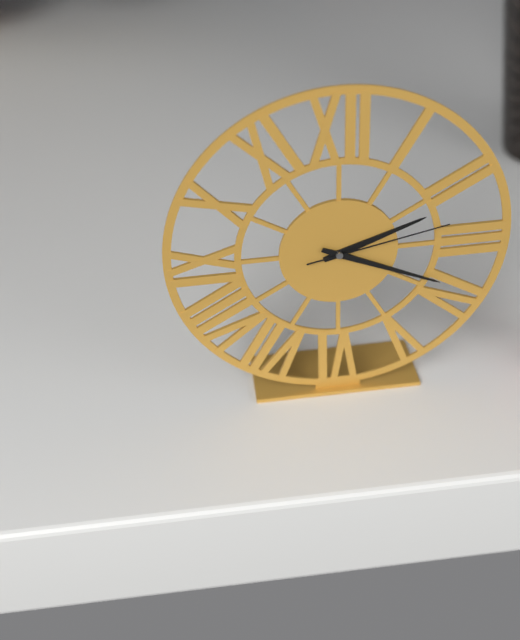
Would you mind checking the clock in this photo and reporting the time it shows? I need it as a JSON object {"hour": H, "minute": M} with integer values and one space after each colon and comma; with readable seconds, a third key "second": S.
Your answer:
{"hour": 2, "minute": 19, "second": 13}
